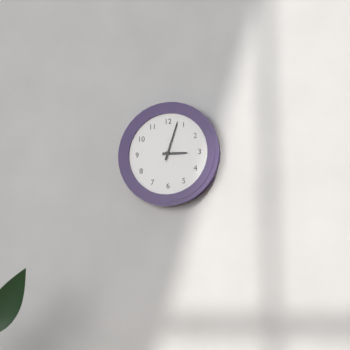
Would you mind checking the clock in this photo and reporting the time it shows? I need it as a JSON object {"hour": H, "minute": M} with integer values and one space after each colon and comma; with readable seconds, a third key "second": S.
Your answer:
{"hour": 3, "minute": 3}
